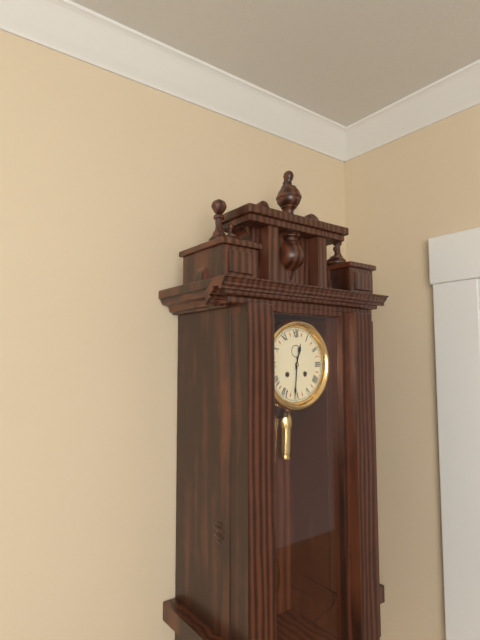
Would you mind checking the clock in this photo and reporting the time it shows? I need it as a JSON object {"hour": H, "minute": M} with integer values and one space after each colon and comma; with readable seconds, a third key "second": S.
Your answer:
{"hour": 12, "minute": 31}
